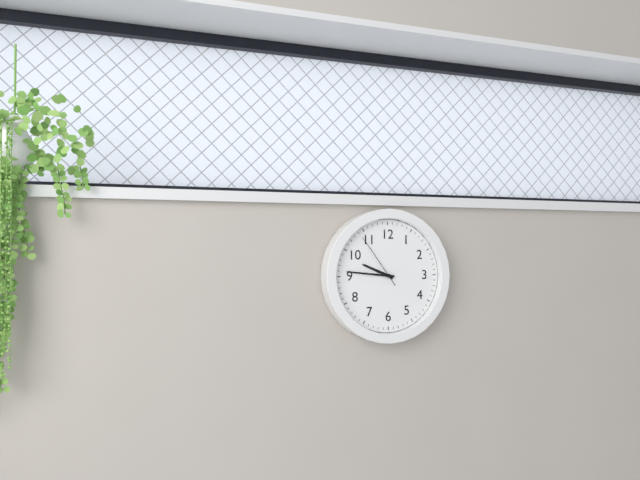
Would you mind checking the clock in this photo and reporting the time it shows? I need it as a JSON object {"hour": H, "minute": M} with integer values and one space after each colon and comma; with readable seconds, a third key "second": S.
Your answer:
{"hour": 9, "minute": 46, "second": 54}
